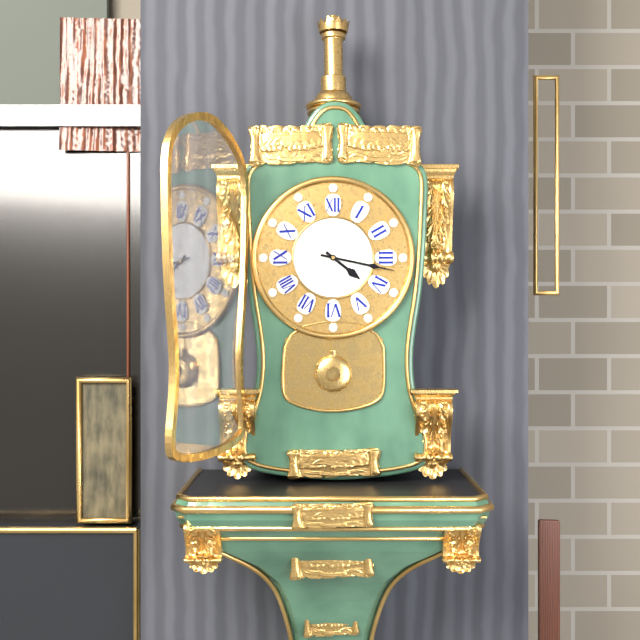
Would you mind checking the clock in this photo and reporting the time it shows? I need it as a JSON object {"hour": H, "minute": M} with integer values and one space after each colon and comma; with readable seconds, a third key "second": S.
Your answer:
{"hour": 4, "minute": 17}
